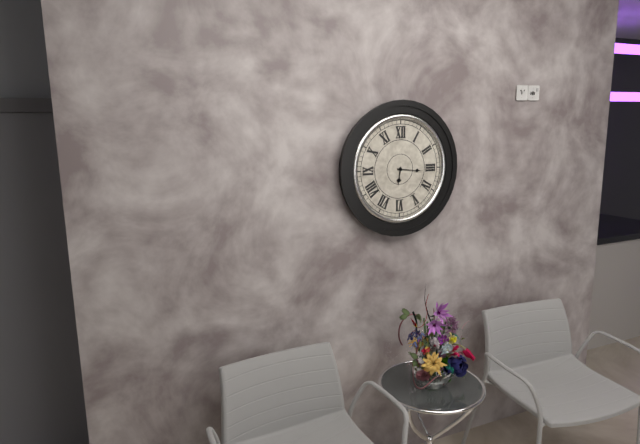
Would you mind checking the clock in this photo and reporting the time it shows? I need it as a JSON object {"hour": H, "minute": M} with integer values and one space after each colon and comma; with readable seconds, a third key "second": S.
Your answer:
{"hour": 6, "minute": 16}
